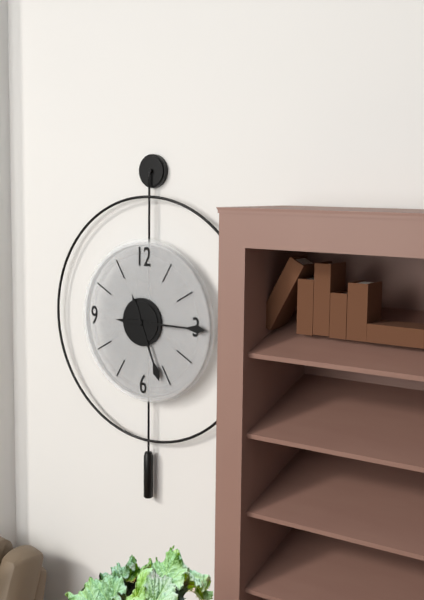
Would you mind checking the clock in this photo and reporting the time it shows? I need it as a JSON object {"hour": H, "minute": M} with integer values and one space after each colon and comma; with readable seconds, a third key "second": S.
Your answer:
{"hour": 5, "minute": 15}
